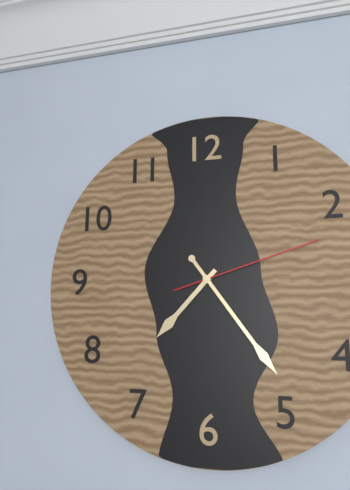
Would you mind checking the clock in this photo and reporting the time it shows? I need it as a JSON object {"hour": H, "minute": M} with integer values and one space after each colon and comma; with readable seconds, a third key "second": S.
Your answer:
{"hour": 7, "minute": 24, "second": 12}
